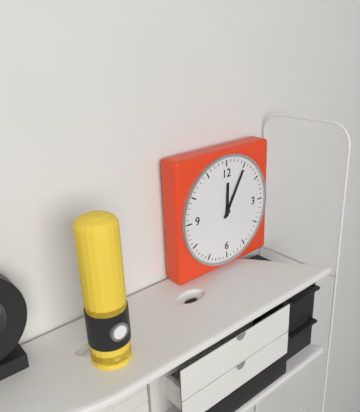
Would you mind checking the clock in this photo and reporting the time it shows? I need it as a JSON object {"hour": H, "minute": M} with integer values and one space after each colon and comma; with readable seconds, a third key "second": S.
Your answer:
{"hour": 12, "minute": 5}
